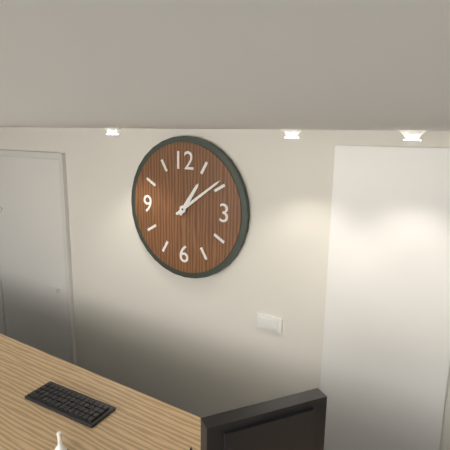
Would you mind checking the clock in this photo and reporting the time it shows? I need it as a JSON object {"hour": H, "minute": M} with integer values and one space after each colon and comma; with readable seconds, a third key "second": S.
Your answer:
{"hour": 1, "minute": 9}
